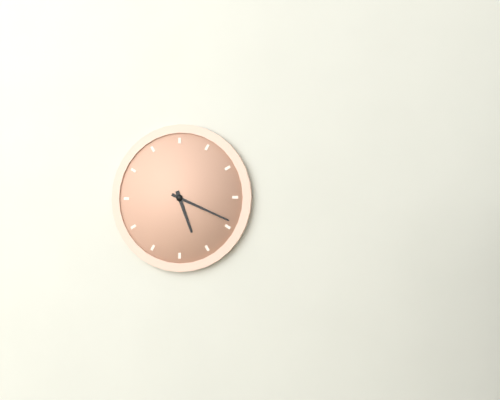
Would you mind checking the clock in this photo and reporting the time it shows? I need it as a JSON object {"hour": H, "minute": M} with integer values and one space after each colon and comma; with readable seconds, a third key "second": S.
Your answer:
{"hour": 5, "minute": 19}
